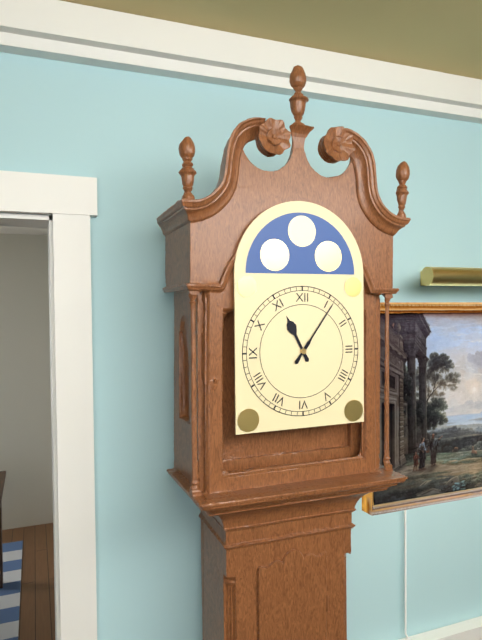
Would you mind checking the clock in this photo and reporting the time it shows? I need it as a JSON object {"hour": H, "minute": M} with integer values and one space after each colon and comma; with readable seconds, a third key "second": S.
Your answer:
{"hour": 11, "minute": 6}
